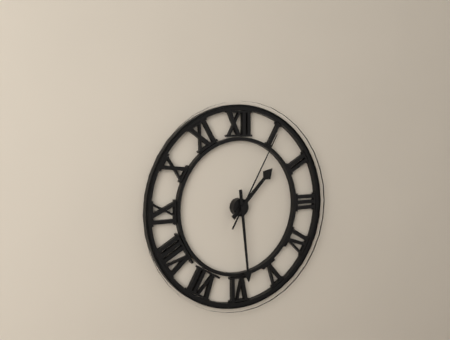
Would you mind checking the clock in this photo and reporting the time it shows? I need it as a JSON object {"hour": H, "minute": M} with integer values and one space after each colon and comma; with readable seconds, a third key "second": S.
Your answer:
{"hour": 1, "minute": 29, "second": 5}
